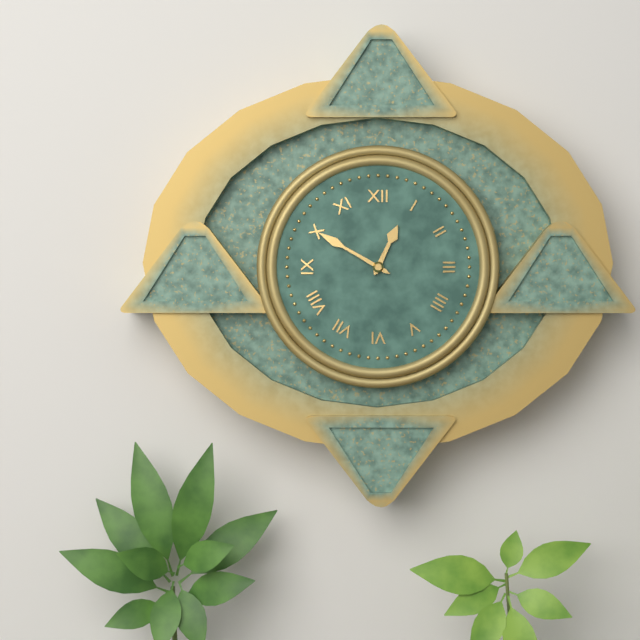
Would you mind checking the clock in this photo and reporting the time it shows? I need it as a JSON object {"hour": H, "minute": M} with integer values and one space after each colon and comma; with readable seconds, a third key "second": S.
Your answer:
{"hour": 12, "minute": 50}
